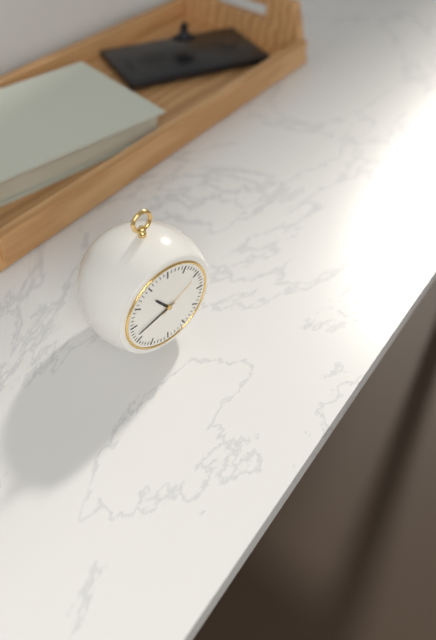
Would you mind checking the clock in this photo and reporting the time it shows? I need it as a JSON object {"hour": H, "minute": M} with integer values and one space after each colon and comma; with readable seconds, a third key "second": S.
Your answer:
{"hour": 10, "minute": 42}
